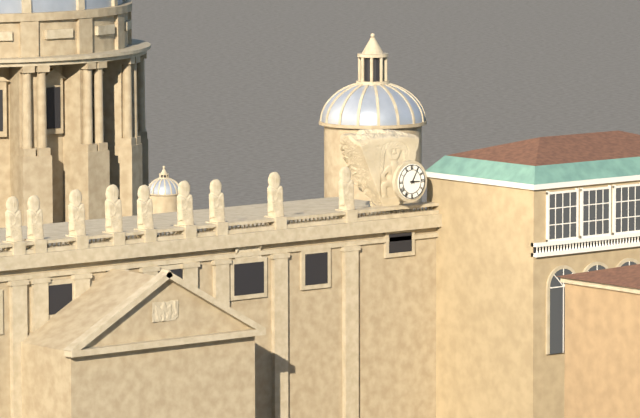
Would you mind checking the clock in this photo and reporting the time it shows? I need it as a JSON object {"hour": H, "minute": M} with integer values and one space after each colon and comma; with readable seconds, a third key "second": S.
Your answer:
{"hour": 3, "minute": 5}
